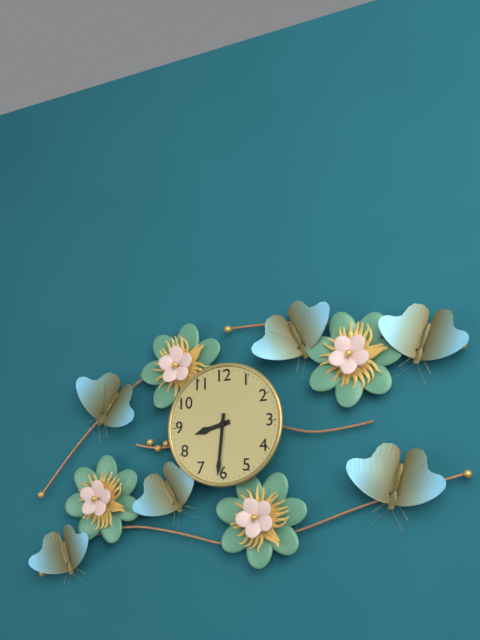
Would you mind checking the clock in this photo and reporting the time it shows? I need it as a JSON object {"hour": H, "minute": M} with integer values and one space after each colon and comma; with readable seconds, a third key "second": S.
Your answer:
{"hour": 8, "minute": 31}
